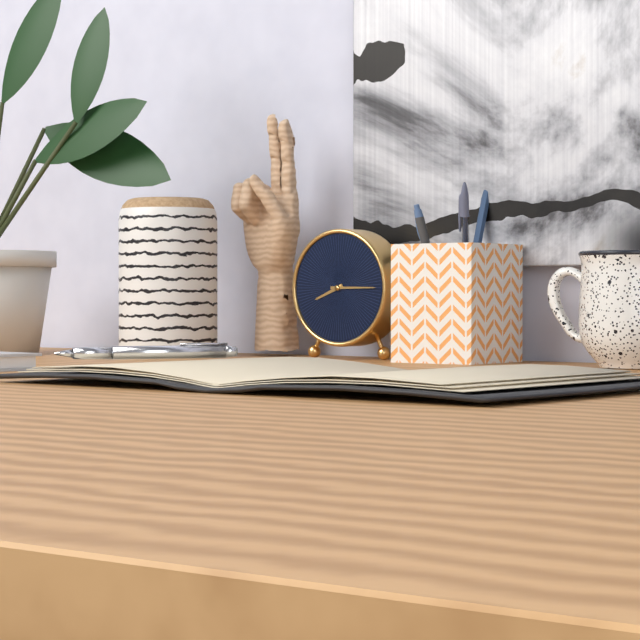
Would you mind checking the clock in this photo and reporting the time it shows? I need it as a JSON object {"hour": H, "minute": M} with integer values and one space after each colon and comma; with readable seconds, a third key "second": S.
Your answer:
{"hour": 8, "minute": 15}
